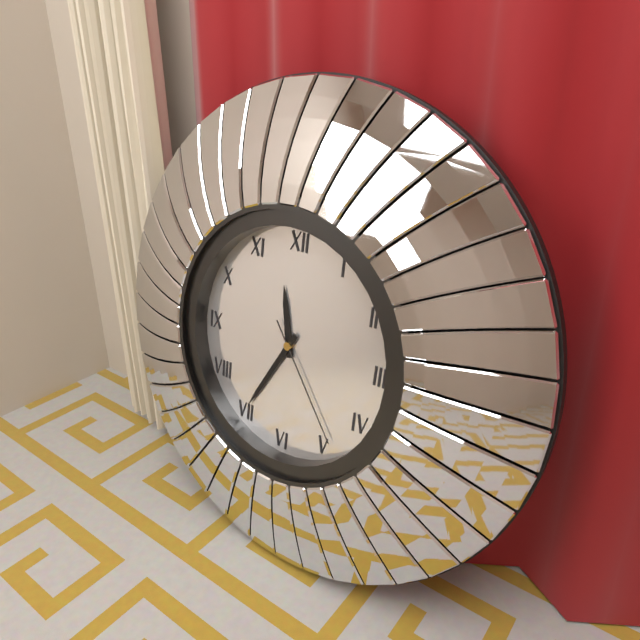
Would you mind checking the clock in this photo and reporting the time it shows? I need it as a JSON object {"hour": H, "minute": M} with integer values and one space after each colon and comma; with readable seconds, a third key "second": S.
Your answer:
{"hour": 11, "minute": 35, "second": 24}
